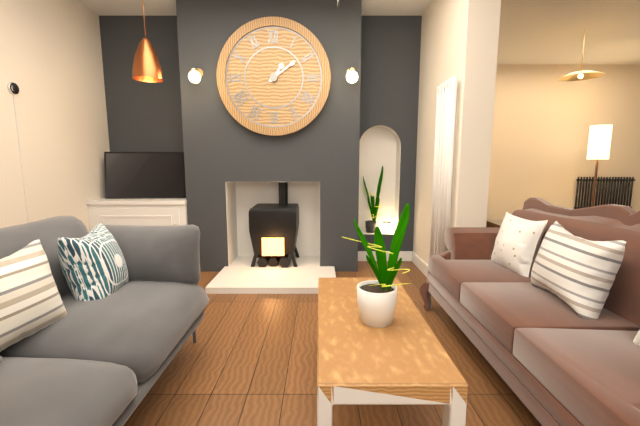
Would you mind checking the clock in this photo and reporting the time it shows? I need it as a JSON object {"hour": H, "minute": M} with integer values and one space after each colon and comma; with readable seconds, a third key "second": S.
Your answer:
{"hour": 1, "minute": 9}
